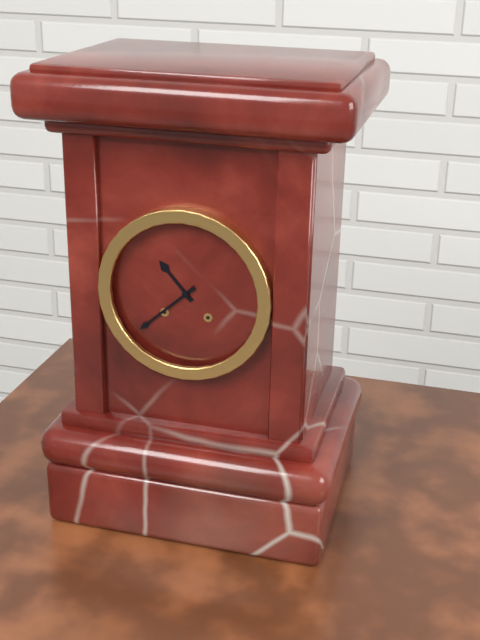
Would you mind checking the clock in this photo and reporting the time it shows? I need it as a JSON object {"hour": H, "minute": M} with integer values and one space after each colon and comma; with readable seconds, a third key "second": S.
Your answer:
{"hour": 10, "minute": 38}
